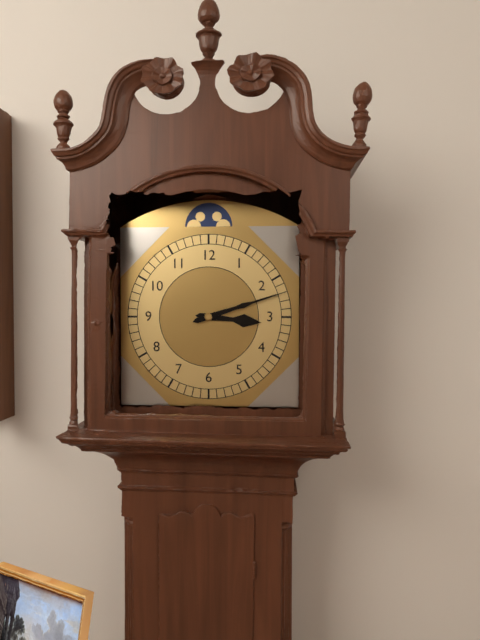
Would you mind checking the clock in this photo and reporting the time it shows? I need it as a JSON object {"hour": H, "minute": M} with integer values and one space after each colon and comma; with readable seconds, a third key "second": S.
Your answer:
{"hour": 3, "minute": 12}
